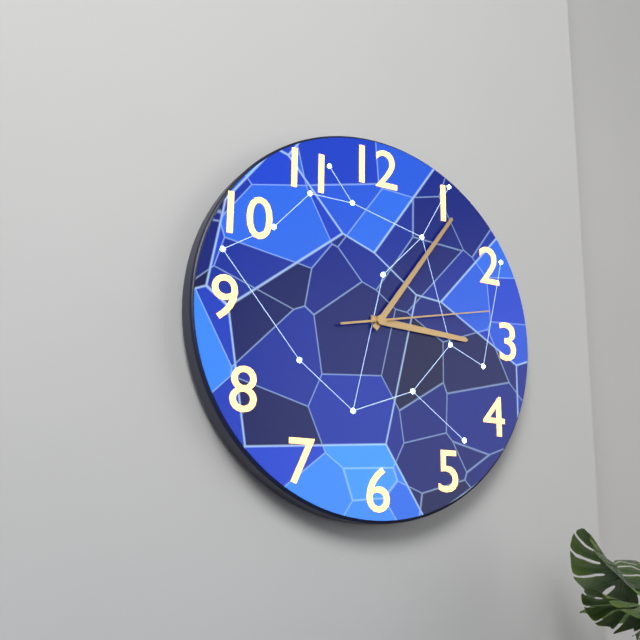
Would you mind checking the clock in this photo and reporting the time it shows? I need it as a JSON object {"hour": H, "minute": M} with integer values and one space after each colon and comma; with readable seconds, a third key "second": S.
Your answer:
{"hour": 3, "minute": 6, "second": 13}
